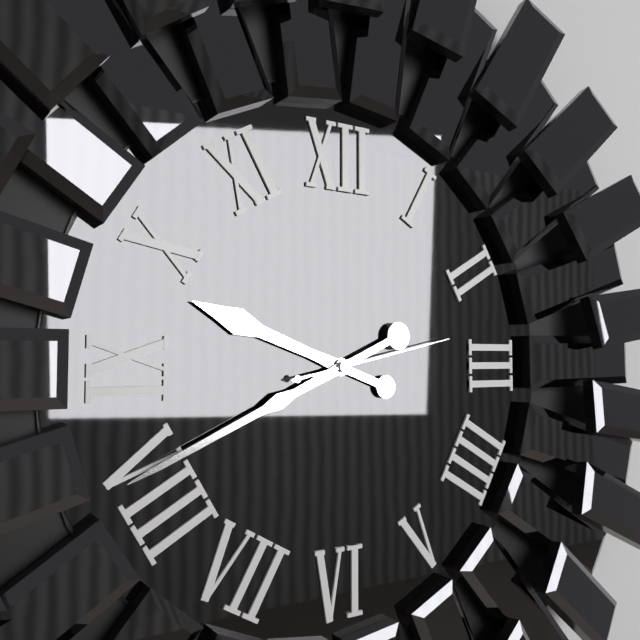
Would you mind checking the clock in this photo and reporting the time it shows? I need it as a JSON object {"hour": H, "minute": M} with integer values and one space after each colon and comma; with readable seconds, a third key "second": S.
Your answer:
{"hour": 9, "minute": 41, "second": 13}
